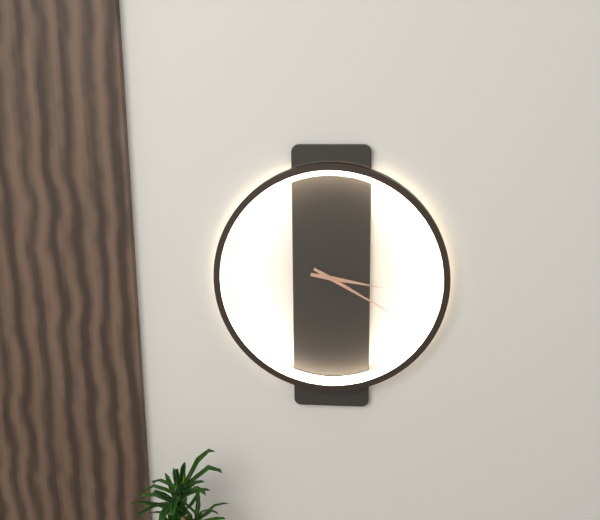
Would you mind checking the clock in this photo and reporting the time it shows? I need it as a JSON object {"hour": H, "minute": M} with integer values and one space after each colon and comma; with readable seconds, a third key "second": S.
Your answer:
{"hour": 3, "minute": 20}
